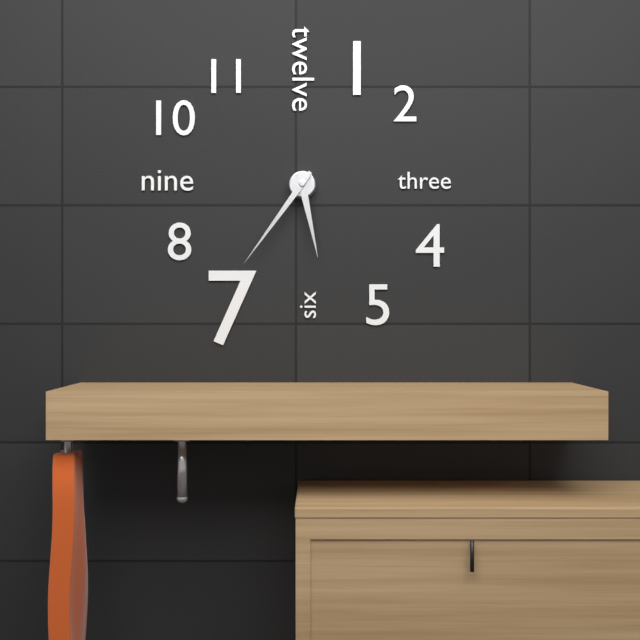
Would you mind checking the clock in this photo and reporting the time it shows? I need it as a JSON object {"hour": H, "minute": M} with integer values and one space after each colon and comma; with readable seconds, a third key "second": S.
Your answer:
{"hour": 5, "minute": 36}
